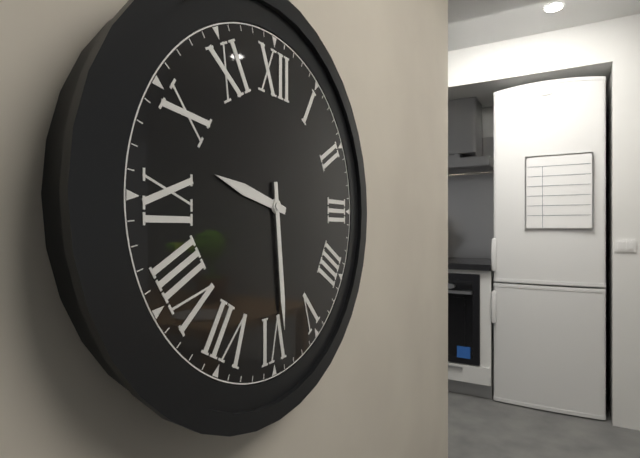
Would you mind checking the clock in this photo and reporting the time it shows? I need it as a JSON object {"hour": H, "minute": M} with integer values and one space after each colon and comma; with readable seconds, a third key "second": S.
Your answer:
{"hour": 9, "minute": 29}
